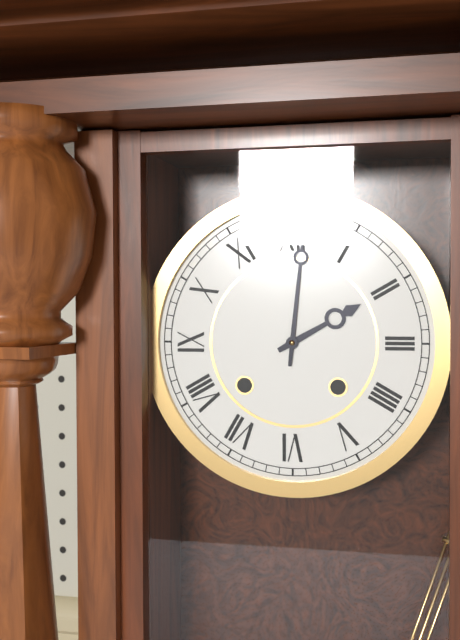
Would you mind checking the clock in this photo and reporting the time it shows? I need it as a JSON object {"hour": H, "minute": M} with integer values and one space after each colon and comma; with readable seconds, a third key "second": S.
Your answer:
{"hour": 2, "minute": 1}
